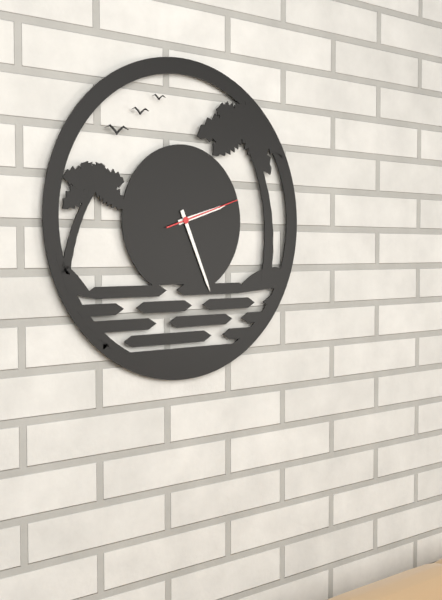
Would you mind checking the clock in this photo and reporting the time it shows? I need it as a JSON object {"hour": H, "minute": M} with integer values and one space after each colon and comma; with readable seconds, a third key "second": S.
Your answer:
{"hour": 2, "minute": 26, "second": 12}
